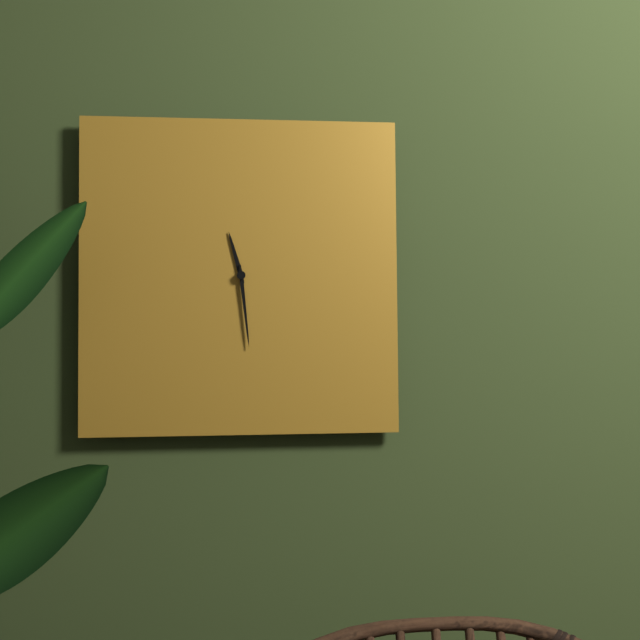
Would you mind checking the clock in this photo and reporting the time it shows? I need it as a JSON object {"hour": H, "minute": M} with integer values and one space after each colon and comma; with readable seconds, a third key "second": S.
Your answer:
{"hour": 11, "minute": 29}
